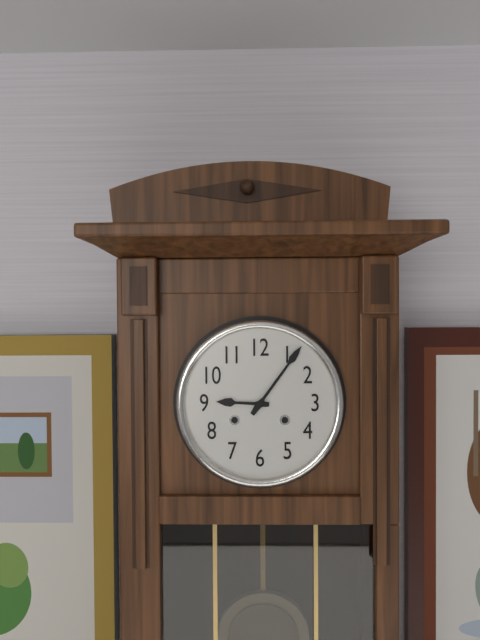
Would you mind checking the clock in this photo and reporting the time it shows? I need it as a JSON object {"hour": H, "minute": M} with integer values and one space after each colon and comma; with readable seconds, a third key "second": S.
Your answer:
{"hour": 9, "minute": 6}
